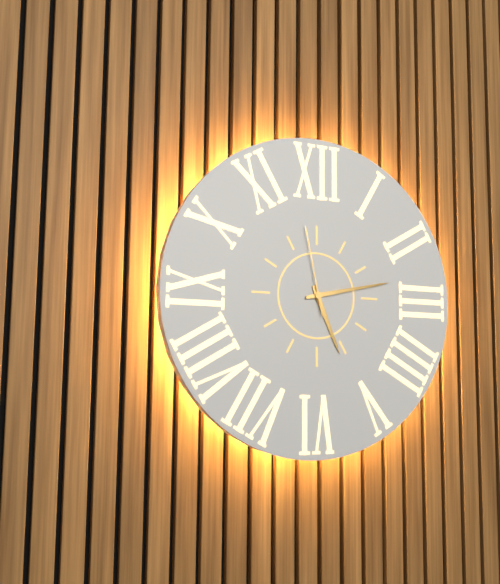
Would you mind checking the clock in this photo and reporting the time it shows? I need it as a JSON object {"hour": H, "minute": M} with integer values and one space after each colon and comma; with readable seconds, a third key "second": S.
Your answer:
{"hour": 5, "minute": 13, "second": 58}
